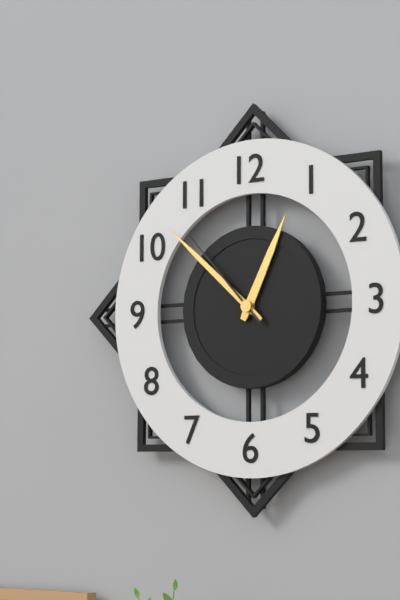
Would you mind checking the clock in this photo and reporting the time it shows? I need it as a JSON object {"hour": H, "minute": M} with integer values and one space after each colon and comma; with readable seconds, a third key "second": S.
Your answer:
{"hour": 12, "minute": 52, "second": 53}
